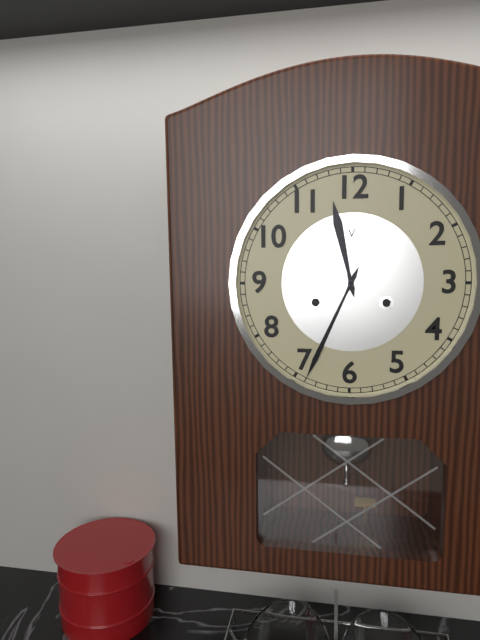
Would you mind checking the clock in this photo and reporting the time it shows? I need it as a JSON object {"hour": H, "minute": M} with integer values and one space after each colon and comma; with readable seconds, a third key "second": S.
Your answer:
{"hour": 11, "minute": 34}
